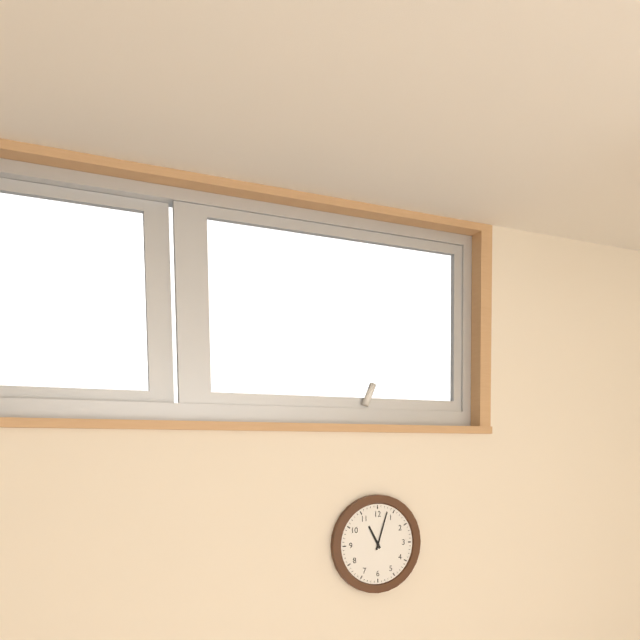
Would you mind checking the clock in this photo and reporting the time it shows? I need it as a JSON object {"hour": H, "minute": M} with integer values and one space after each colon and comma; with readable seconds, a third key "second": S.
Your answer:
{"hour": 11, "minute": 3}
